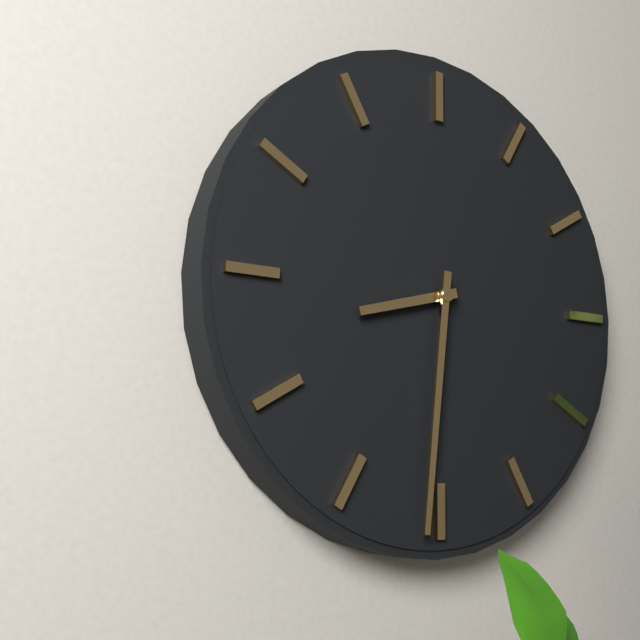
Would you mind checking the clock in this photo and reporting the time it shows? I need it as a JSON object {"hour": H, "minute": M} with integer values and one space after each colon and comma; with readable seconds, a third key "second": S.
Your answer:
{"hour": 8, "minute": 31}
